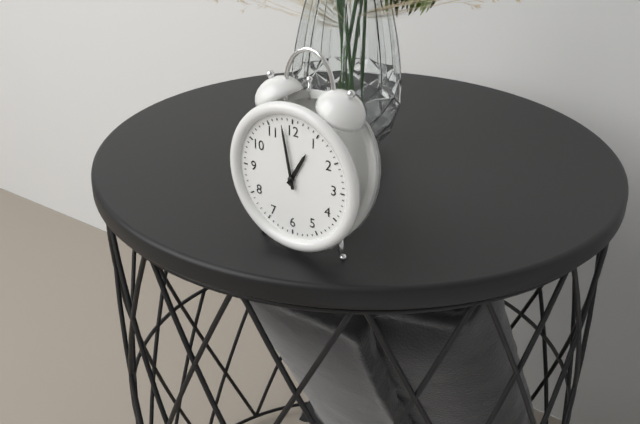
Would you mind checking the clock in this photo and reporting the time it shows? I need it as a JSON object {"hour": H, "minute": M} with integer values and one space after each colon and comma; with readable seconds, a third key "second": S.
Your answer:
{"hour": 12, "minute": 58}
